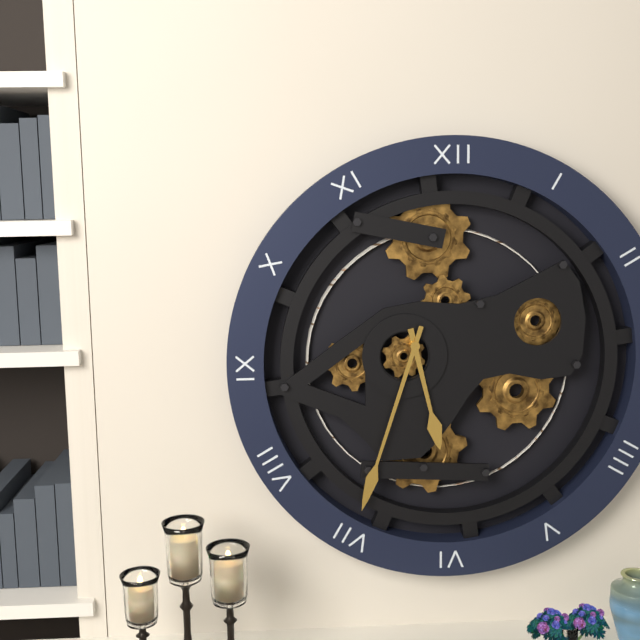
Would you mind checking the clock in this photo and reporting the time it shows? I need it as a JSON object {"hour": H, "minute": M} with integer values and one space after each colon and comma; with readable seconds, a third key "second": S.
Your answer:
{"hour": 5, "minute": 33}
